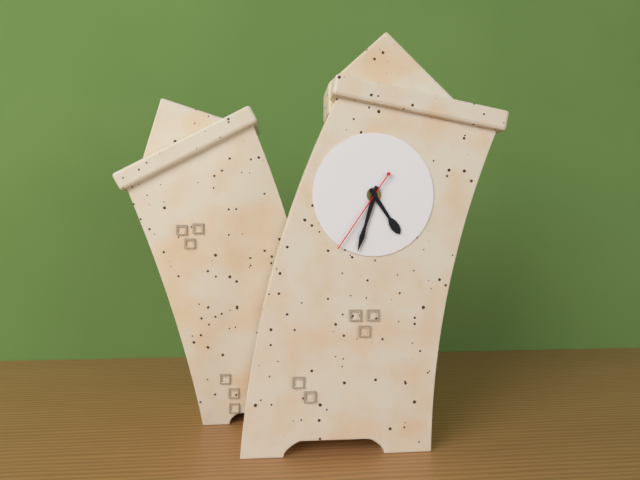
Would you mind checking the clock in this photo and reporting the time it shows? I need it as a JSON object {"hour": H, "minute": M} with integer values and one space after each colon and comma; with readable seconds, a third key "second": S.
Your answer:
{"hour": 4, "minute": 31, "second": 34}
